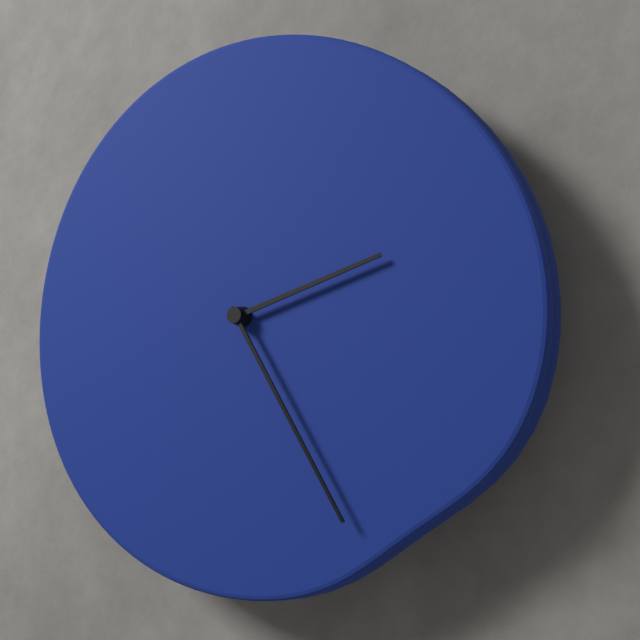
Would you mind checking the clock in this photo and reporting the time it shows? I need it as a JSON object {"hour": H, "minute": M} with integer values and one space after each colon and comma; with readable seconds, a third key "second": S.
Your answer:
{"hour": 2, "minute": 25}
